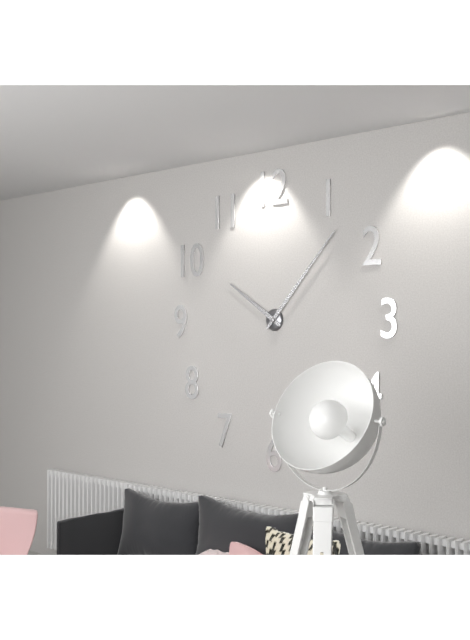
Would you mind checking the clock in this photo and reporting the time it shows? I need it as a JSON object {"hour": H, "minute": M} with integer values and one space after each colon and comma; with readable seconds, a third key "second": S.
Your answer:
{"hour": 10, "minute": 7}
